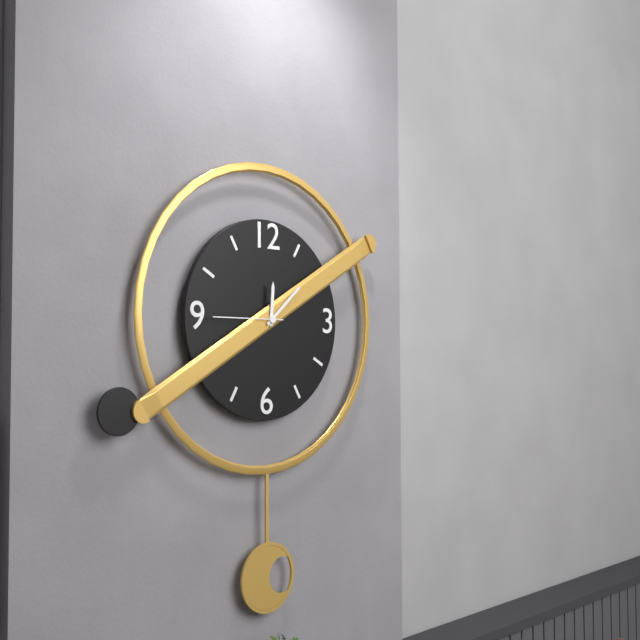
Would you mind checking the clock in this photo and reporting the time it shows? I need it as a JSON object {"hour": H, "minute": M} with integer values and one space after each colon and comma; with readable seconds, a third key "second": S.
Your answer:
{"hour": 12, "minute": 8}
